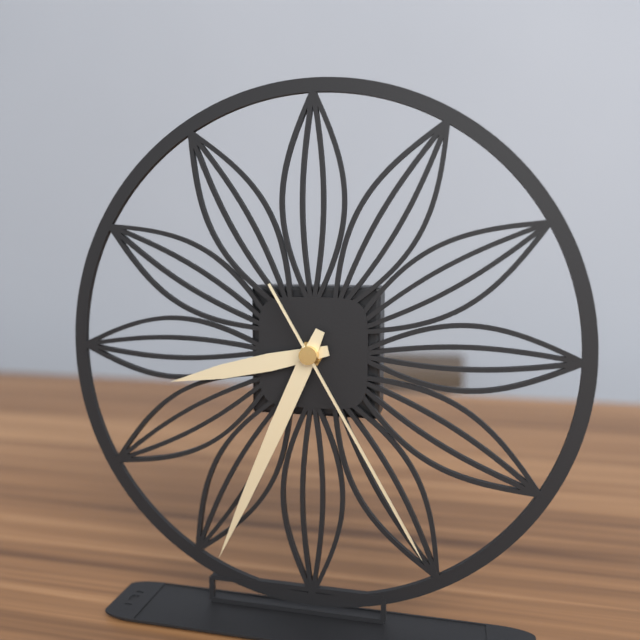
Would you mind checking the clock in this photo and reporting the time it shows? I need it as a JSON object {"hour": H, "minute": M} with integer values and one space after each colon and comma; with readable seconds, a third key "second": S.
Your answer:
{"hour": 8, "minute": 34, "second": 25}
